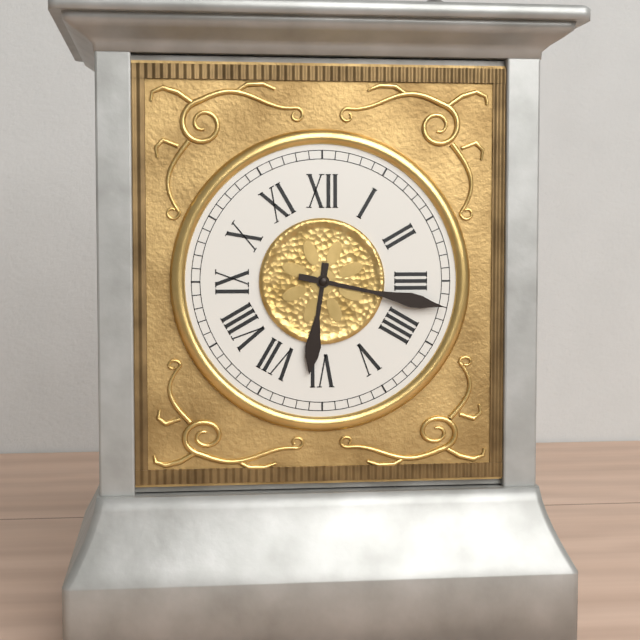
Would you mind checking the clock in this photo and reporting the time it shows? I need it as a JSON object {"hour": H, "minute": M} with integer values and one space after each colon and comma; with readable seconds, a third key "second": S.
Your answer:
{"hour": 6, "minute": 17}
